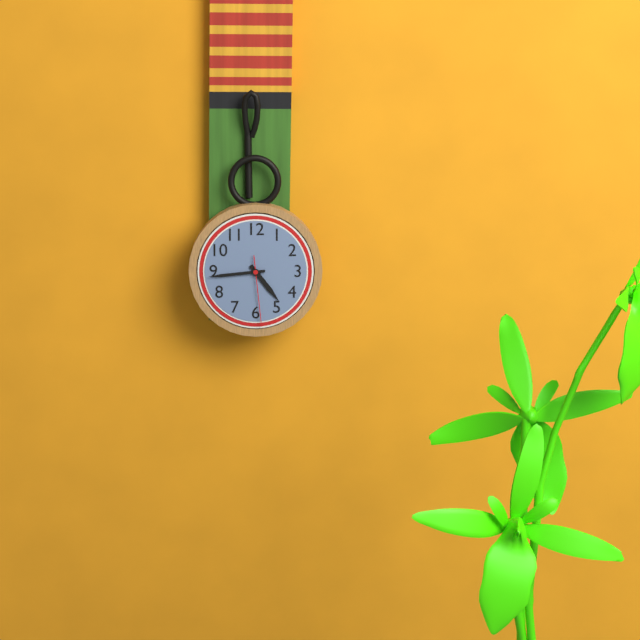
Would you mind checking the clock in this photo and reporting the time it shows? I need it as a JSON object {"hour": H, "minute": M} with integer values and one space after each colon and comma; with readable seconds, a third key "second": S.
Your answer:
{"hour": 4, "minute": 44, "second": 29}
